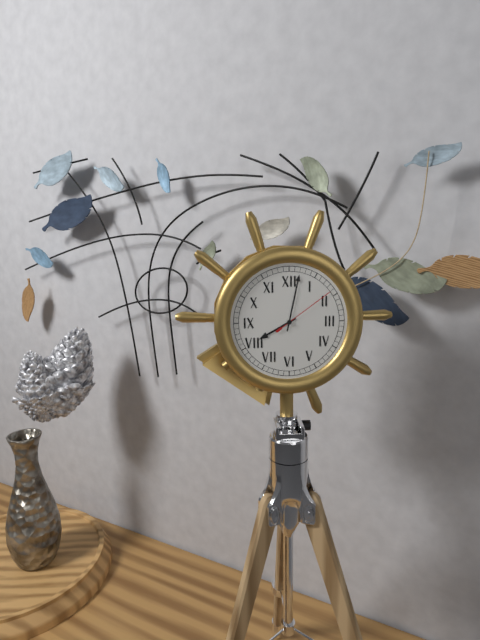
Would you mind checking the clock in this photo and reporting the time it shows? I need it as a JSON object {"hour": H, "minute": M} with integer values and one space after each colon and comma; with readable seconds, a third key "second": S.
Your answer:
{"hour": 8, "minute": 2, "second": 9}
